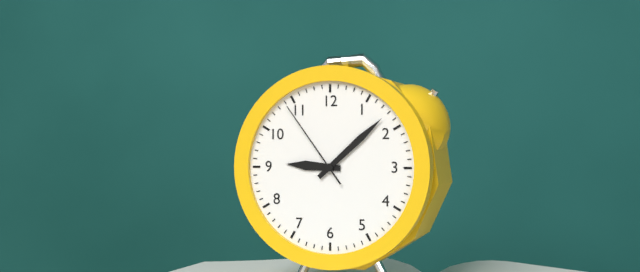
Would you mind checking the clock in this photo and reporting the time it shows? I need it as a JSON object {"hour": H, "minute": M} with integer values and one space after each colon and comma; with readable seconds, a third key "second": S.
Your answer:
{"hour": 9, "minute": 8, "second": 54}
